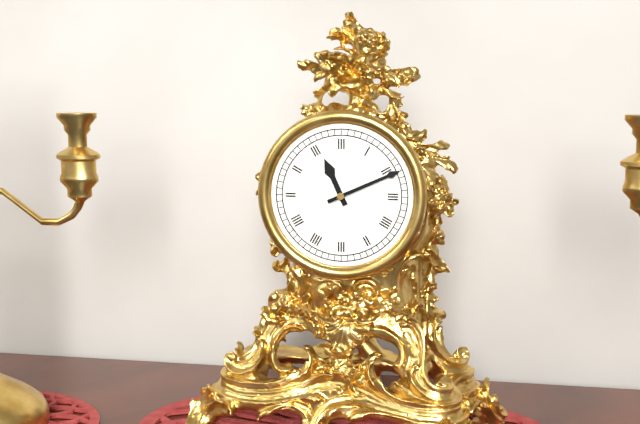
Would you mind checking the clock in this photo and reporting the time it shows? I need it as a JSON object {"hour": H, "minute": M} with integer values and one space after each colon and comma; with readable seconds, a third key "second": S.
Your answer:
{"hour": 11, "minute": 11}
